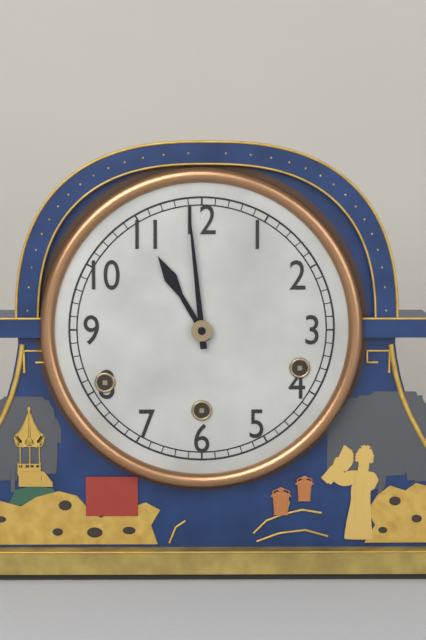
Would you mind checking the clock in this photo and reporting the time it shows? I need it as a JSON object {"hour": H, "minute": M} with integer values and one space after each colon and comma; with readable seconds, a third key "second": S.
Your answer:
{"hour": 10, "minute": 59}
